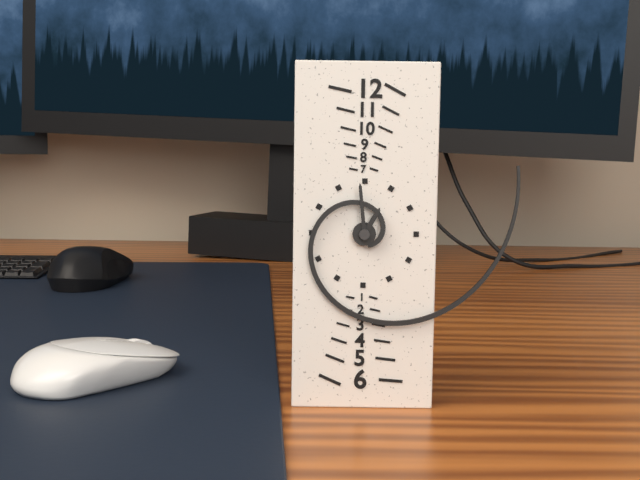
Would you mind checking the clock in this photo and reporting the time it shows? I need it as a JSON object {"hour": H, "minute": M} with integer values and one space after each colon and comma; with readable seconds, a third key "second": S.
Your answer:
{"hour": 12, "minute": 59}
